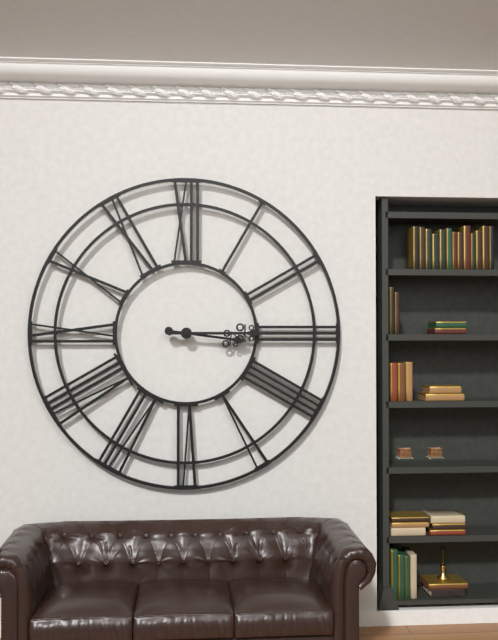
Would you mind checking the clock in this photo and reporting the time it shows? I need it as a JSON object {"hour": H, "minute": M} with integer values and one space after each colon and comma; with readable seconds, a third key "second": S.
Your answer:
{"hour": 3, "minute": 15}
